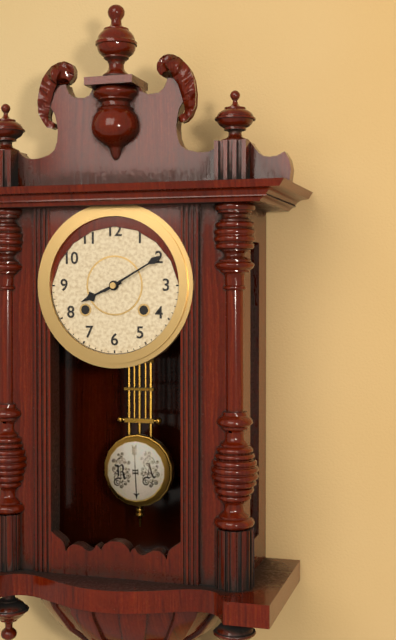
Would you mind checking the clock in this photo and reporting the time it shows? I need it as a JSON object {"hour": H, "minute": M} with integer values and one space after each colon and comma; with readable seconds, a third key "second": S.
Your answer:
{"hour": 8, "minute": 10}
